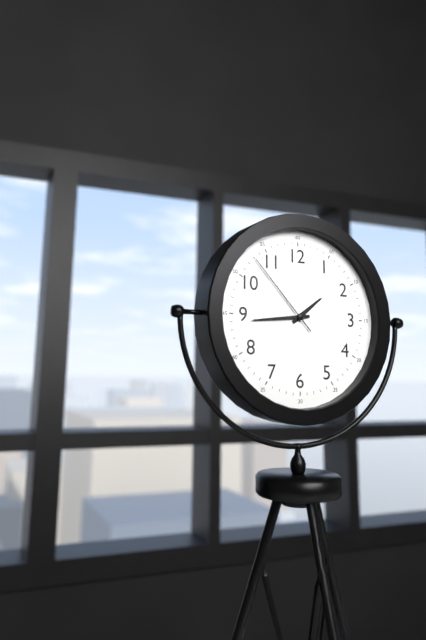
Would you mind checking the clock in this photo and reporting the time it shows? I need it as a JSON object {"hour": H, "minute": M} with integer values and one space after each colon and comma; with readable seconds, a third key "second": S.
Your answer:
{"hour": 1, "minute": 44, "second": 53}
